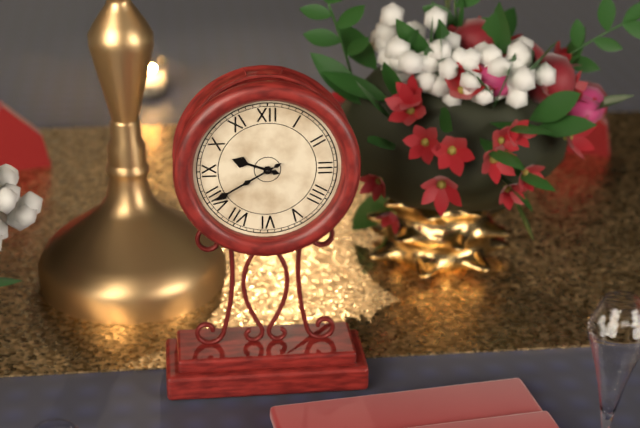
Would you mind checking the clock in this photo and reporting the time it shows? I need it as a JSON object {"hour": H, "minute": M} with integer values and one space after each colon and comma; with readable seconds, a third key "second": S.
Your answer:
{"hour": 9, "minute": 40}
